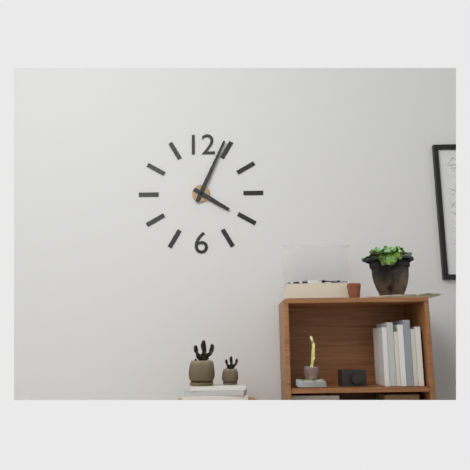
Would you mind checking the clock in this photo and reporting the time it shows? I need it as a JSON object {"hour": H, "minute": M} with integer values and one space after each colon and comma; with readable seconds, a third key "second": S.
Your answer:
{"hour": 4, "minute": 4}
